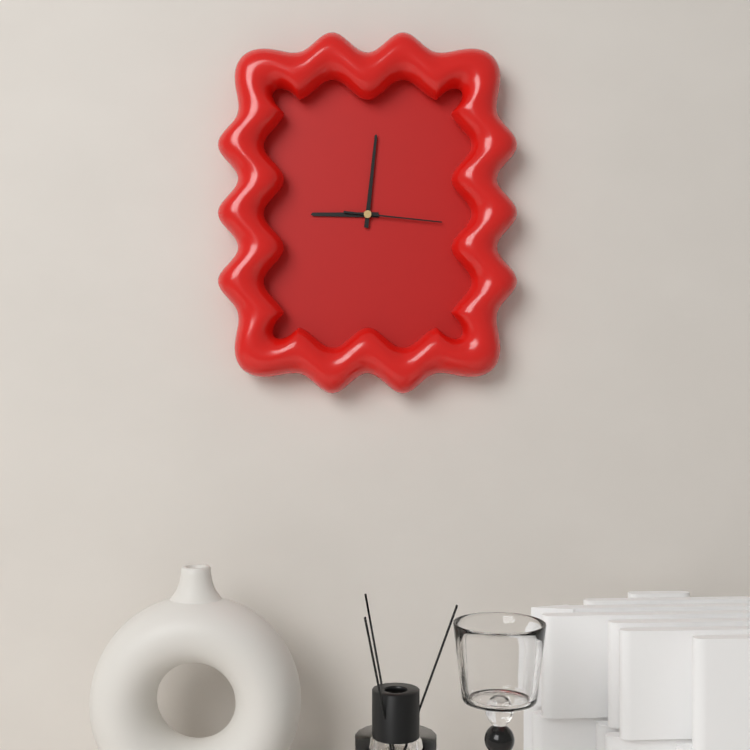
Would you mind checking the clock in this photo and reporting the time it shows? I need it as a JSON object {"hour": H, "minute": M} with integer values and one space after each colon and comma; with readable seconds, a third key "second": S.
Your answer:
{"hour": 9, "minute": 1, "second": 16}
